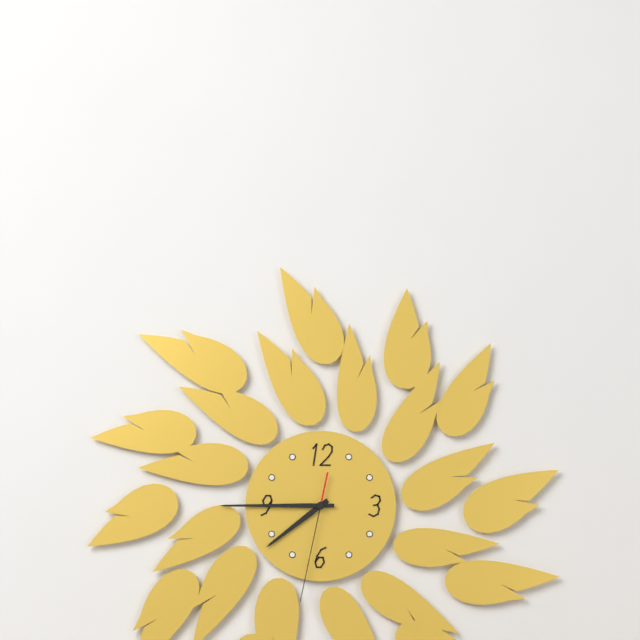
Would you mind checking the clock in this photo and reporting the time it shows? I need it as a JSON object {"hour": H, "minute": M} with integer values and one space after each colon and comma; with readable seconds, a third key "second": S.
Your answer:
{"hour": 7, "minute": 45, "second": 32}
